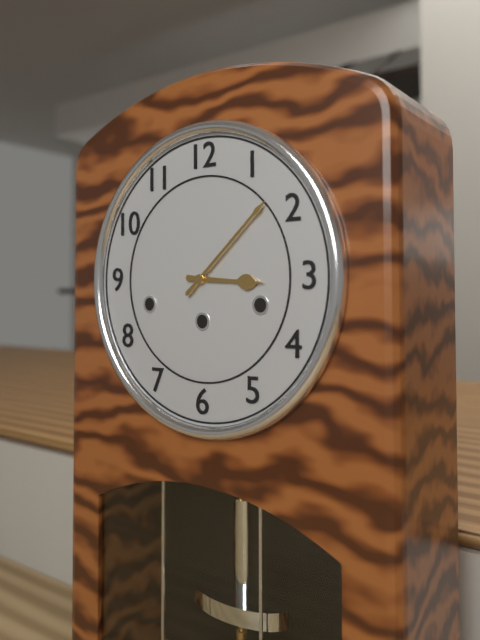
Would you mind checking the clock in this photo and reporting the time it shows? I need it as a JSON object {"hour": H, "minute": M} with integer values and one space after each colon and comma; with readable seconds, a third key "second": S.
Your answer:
{"hour": 3, "minute": 8}
